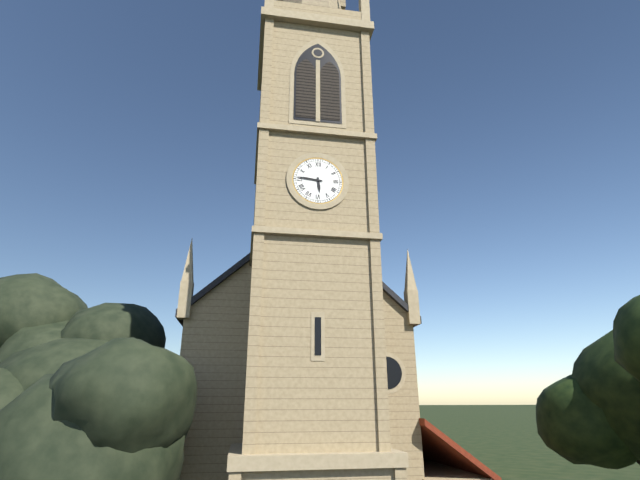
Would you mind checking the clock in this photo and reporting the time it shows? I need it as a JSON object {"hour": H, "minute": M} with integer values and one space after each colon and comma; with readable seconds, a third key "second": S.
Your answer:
{"hour": 5, "minute": 46}
